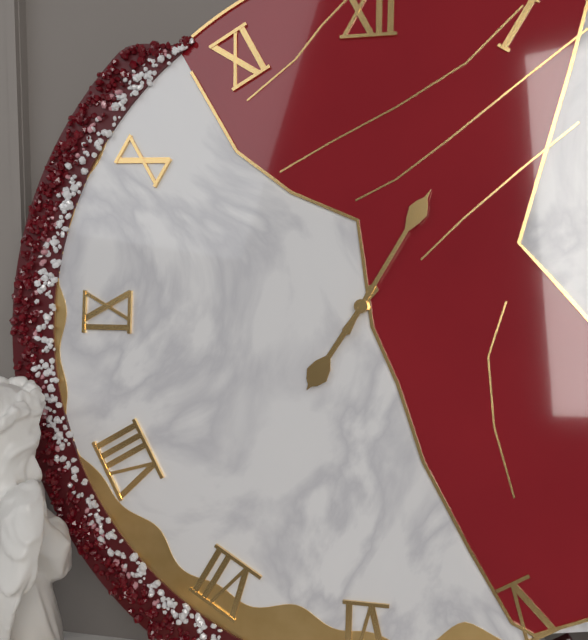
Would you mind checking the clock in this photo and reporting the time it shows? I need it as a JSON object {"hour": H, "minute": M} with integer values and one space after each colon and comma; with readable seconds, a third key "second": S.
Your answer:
{"hour": 7, "minute": 5}
